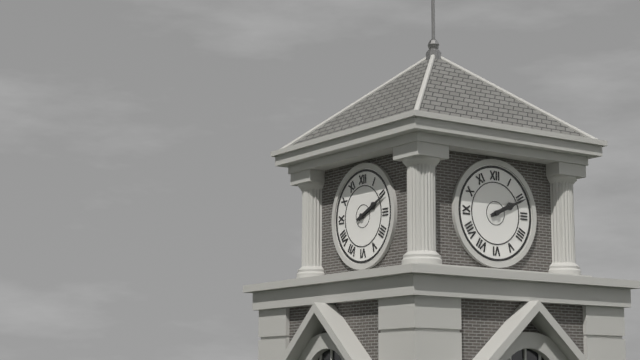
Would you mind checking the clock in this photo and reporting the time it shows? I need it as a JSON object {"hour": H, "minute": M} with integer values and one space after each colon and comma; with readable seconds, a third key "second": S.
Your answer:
{"hour": 2, "minute": 11}
